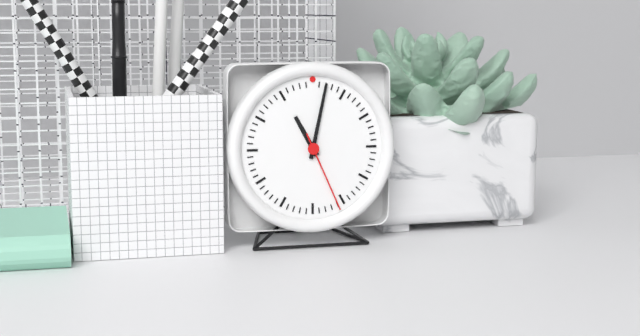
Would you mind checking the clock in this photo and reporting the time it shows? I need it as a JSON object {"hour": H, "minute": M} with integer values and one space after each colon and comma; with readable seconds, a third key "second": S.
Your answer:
{"hour": 11, "minute": 2, "second": 26}
